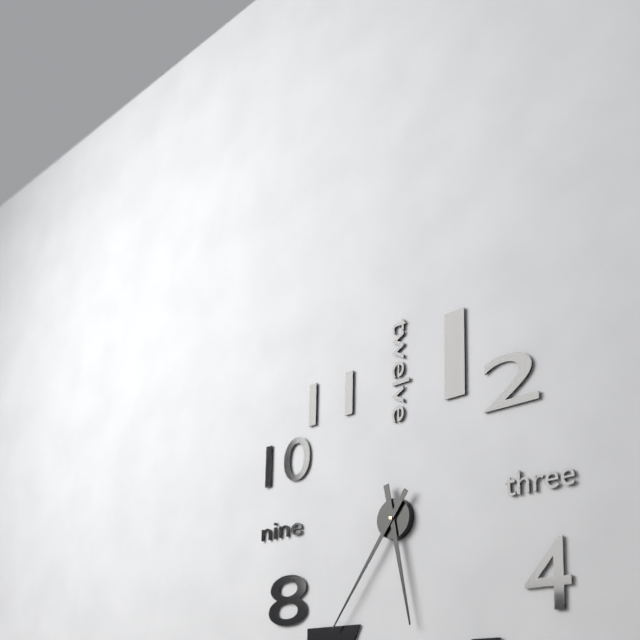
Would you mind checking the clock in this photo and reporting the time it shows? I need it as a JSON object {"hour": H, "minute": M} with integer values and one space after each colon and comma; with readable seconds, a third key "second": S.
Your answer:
{"hour": 5, "minute": 36}
